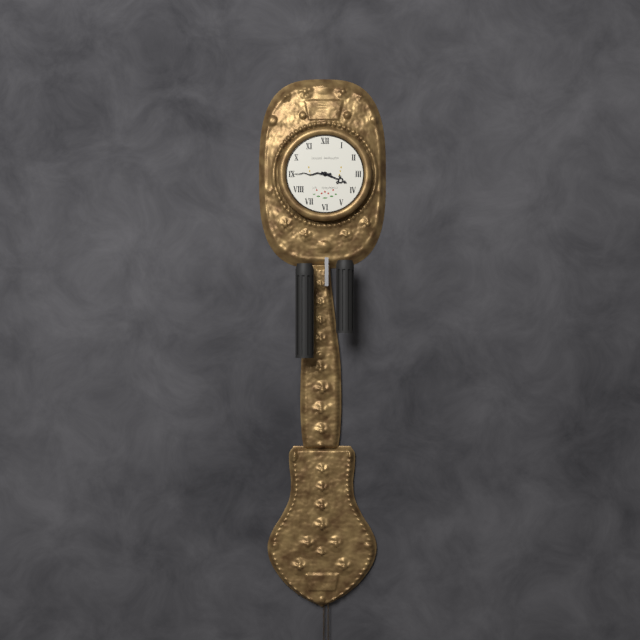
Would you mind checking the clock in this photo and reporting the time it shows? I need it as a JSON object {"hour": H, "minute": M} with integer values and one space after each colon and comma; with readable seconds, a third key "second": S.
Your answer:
{"hour": 3, "minute": 45}
